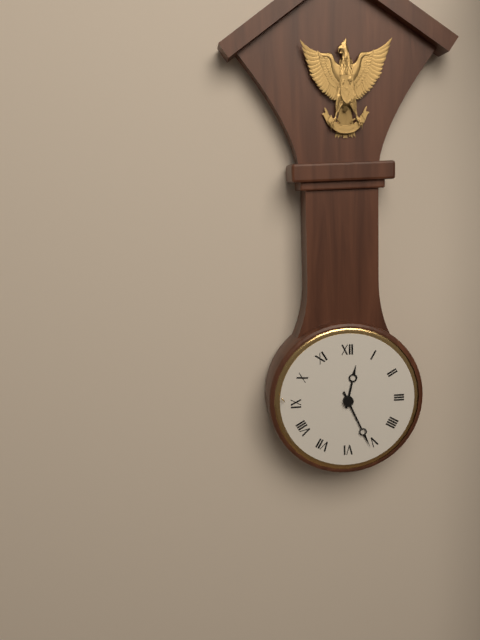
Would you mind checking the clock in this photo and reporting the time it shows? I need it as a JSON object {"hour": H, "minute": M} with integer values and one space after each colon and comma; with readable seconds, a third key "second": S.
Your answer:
{"hour": 12, "minute": 26}
